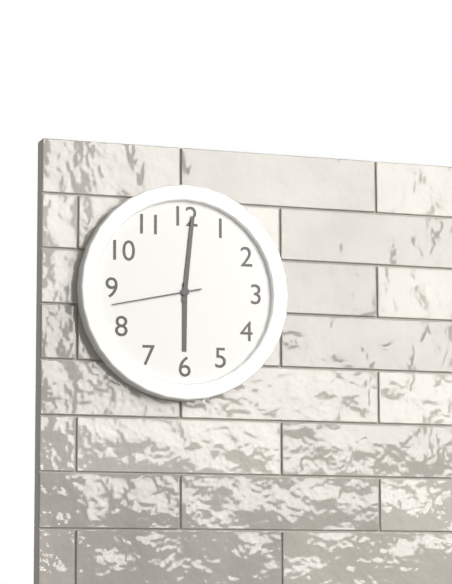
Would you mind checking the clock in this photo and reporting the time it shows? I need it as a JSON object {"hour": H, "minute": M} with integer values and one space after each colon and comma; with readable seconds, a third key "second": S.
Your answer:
{"hour": 6, "minute": 1, "second": 43}
